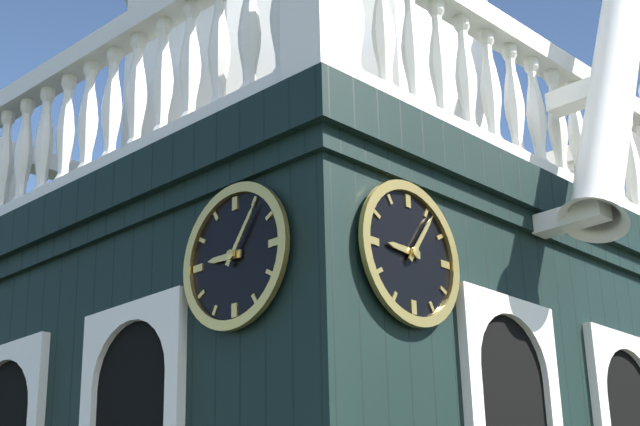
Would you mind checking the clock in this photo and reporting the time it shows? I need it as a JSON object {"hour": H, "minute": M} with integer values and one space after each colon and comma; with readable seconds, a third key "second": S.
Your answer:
{"hour": 9, "minute": 6}
